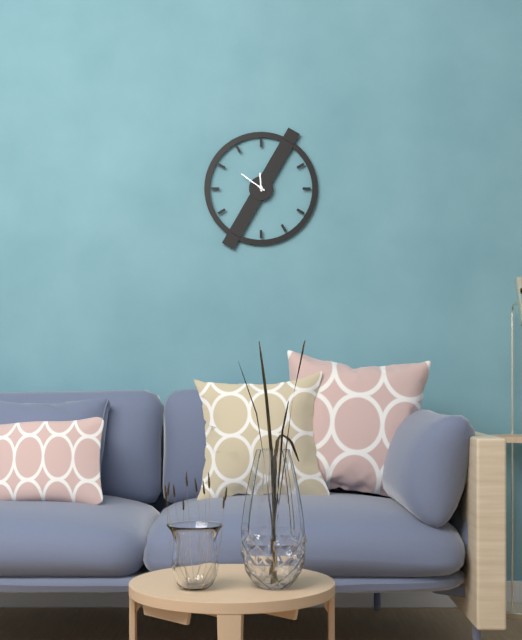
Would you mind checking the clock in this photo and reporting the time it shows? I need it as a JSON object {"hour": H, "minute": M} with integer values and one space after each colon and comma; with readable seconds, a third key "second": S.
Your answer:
{"hour": 11, "minute": 51}
